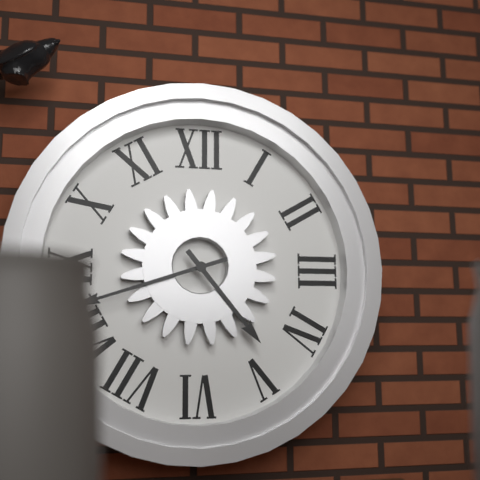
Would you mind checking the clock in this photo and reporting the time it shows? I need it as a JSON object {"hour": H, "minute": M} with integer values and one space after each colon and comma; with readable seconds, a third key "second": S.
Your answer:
{"hour": 4, "minute": 42}
